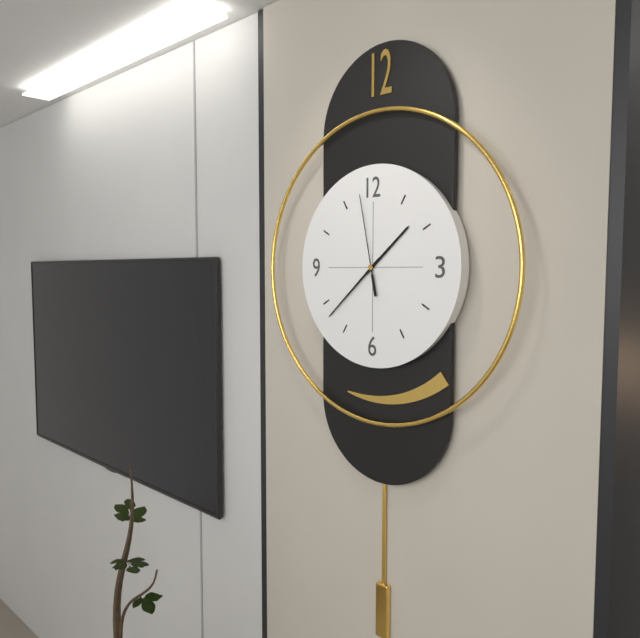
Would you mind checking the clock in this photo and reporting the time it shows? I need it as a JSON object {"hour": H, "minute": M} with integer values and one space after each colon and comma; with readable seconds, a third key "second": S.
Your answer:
{"hour": 1, "minute": 38, "second": 58}
